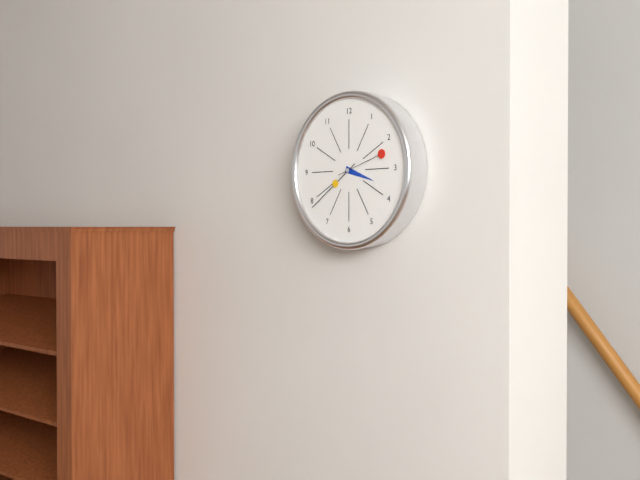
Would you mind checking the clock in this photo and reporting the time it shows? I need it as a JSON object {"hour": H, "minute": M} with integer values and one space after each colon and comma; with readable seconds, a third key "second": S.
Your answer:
{"hour": 3, "minute": 39, "second": 12}
